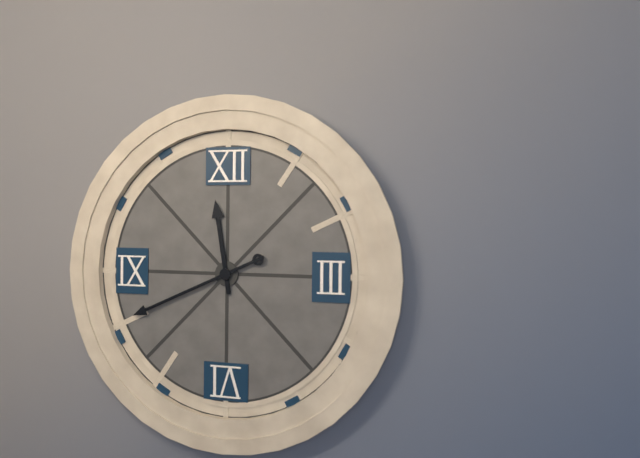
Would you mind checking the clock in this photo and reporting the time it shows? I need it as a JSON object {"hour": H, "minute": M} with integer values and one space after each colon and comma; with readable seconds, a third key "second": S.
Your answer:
{"hour": 11, "minute": 41}
